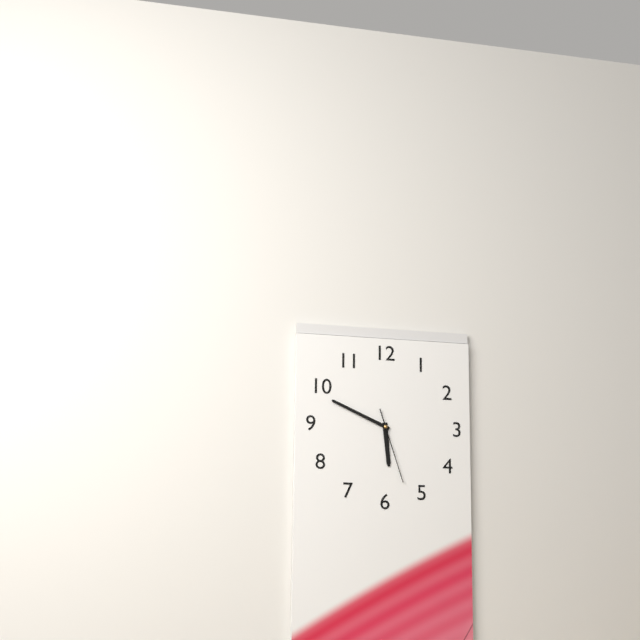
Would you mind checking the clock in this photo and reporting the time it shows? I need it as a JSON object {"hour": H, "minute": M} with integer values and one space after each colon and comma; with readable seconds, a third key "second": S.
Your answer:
{"hour": 5, "minute": 49, "second": 27}
